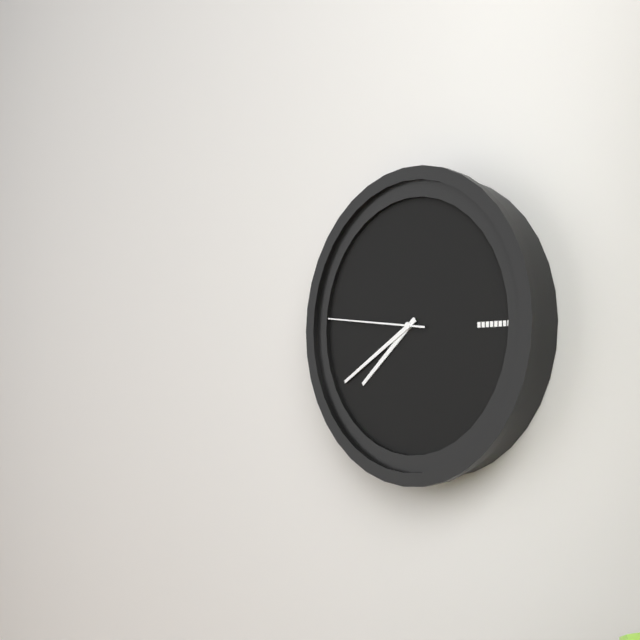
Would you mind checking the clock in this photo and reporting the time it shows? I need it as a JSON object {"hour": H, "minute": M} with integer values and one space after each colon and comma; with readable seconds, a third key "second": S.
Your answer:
{"hour": 7, "minute": 40, "second": 46}
